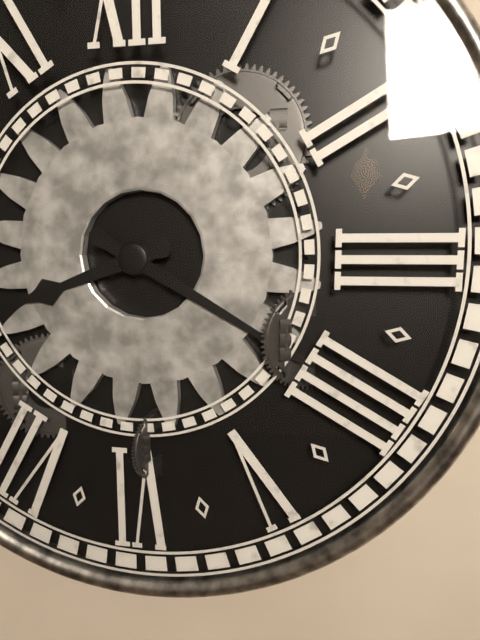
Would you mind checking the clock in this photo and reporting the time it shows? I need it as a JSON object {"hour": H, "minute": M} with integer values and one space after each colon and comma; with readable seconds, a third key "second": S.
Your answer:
{"hour": 8, "minute": 20}
